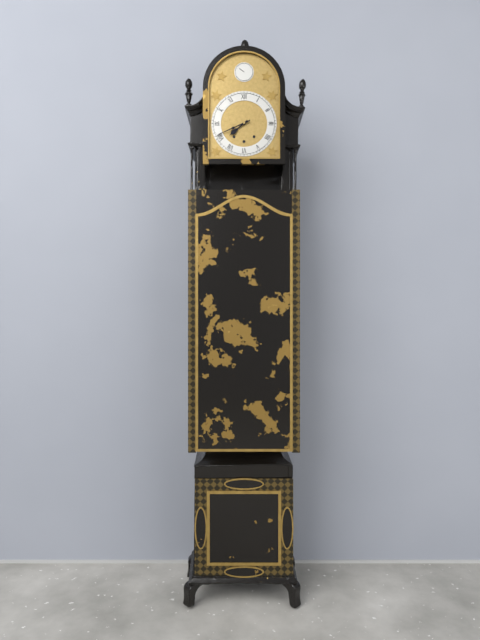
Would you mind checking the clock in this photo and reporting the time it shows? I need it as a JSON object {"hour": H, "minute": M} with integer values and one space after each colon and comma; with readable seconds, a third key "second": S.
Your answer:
{"hour": 7, "minute": 41}
